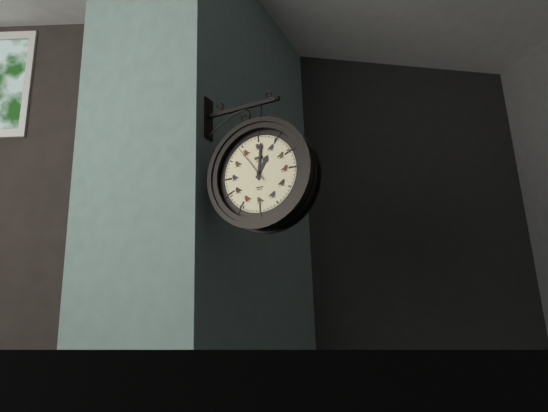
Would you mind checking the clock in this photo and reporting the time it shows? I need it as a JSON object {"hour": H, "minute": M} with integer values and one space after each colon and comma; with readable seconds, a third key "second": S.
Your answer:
{"hour": 1, "minute": 1}
